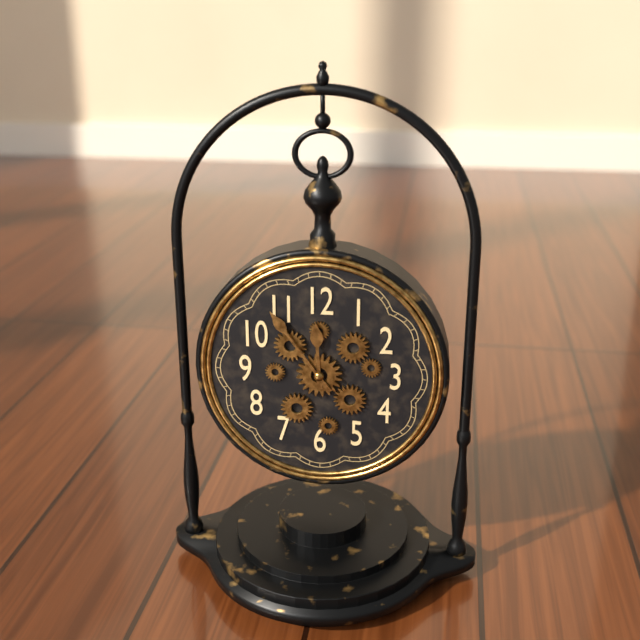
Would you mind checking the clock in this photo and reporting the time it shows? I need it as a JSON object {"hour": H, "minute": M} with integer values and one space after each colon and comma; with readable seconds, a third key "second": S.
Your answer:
{"hour": 11, "minute": 54}
